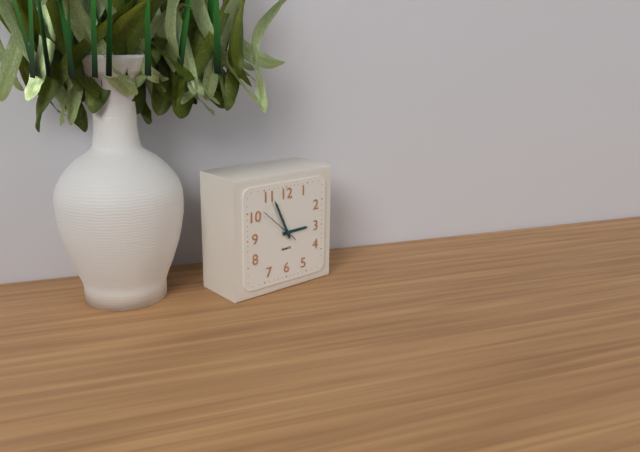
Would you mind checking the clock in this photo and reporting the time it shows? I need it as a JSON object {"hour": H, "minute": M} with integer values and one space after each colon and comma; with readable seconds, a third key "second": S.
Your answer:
{"hour": 2, "minute": 56}
